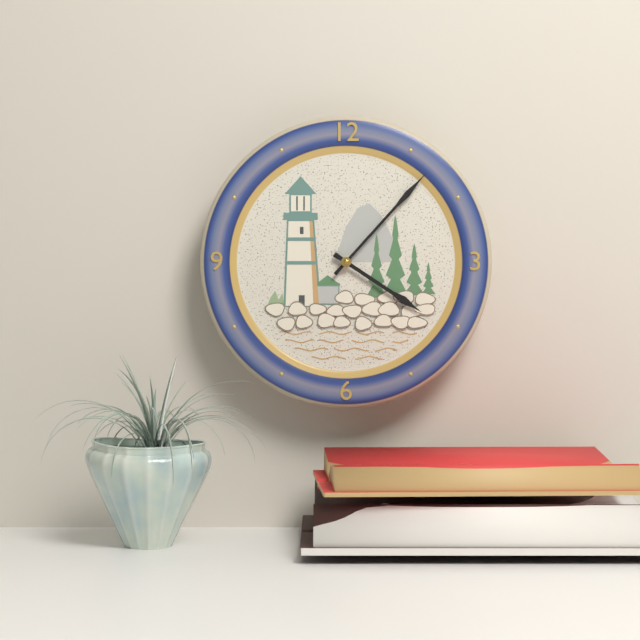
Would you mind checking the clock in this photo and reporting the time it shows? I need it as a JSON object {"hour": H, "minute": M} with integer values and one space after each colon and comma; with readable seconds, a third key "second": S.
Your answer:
{"hour": 4, "minute": 7}
